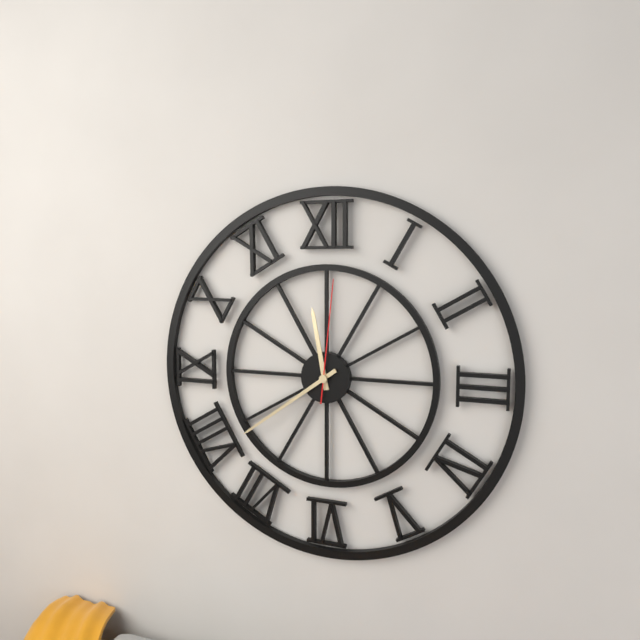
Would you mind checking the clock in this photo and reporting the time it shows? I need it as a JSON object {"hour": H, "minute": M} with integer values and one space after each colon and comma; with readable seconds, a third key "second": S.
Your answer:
{"hour": 11, "minute": 39, "second": 1}
